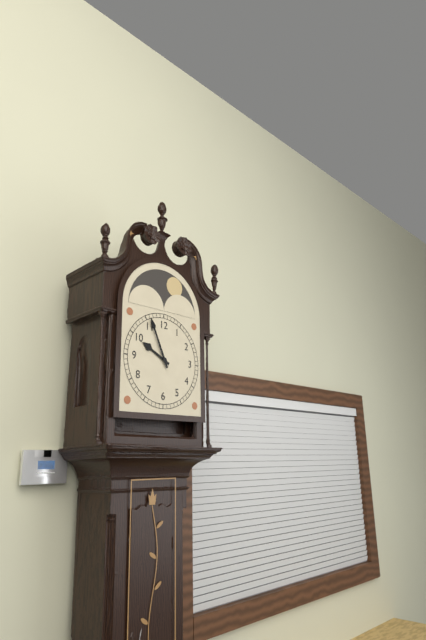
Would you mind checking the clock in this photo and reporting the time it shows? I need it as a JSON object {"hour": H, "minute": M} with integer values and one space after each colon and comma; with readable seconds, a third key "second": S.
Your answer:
{"hour": 9, "minute": 56}
